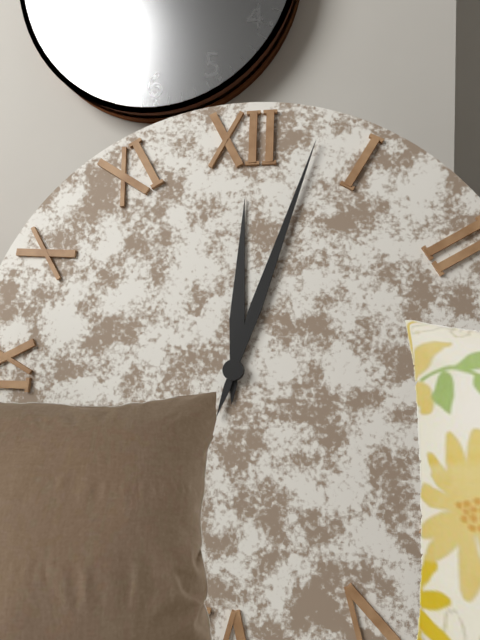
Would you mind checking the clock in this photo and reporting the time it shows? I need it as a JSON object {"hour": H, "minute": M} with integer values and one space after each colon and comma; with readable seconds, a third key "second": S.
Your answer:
{"hour": 12, "minute": 3}
